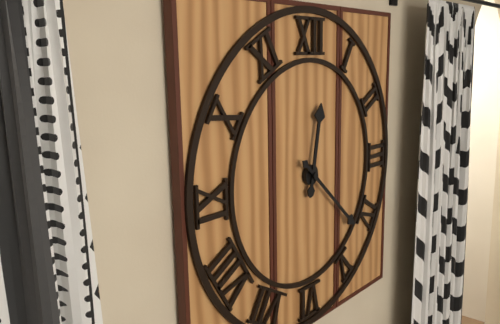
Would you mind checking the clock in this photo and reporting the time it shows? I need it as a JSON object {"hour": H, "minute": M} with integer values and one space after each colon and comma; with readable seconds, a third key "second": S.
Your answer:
{"hour": 12, "minute": 22}
